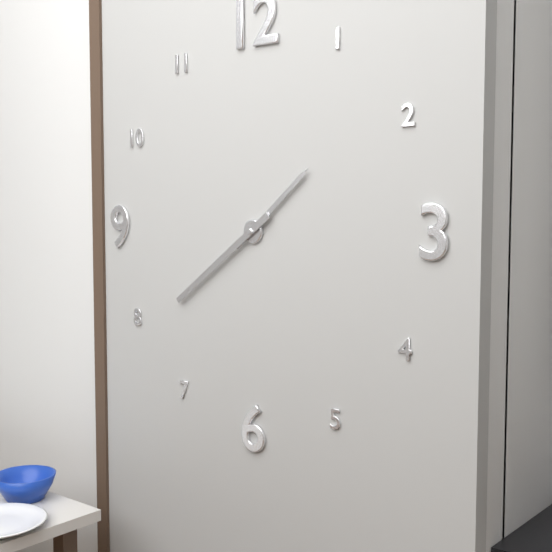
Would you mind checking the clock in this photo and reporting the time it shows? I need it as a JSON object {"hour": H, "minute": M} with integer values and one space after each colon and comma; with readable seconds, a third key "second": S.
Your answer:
{"hour": 1, "minute": 39}
